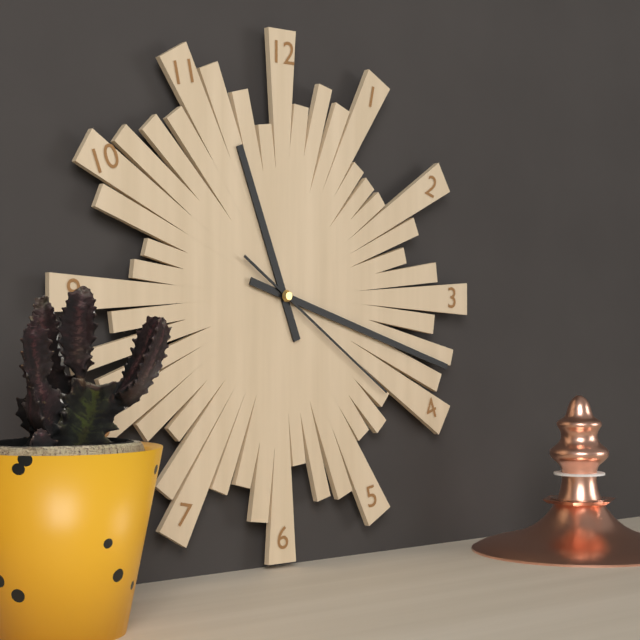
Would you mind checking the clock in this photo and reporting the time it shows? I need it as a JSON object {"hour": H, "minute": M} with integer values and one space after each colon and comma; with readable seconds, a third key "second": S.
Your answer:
{"hour": 11, "minute": 18, "second": 21}
